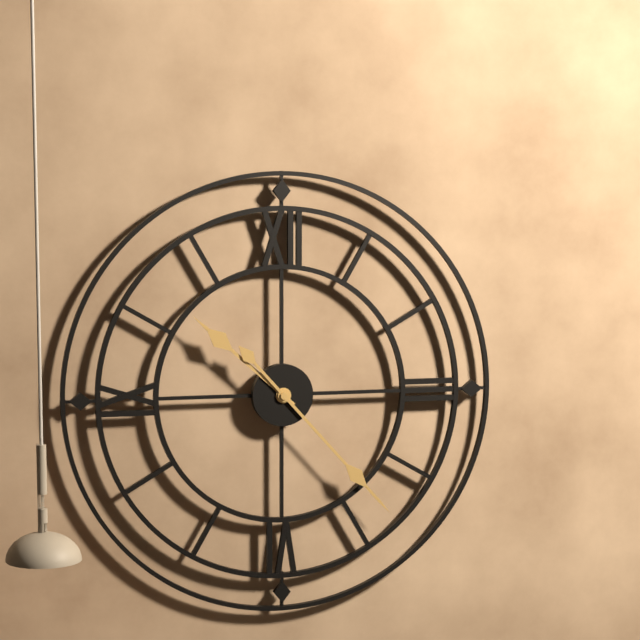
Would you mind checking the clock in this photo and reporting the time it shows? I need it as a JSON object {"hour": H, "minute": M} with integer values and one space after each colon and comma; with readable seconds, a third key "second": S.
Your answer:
{"hour": 10, "minute": 23}
